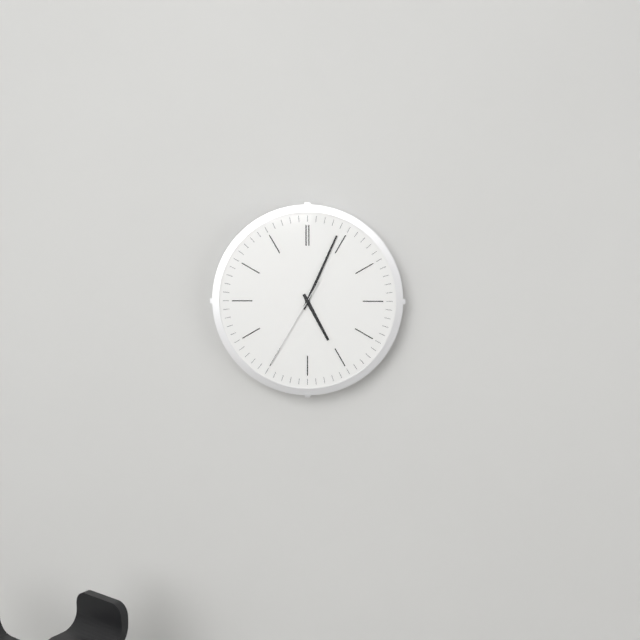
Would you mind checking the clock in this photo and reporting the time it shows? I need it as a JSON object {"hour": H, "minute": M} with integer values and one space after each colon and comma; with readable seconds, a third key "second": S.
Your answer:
{"hour": 5, "minute": 4, "second": 35}
